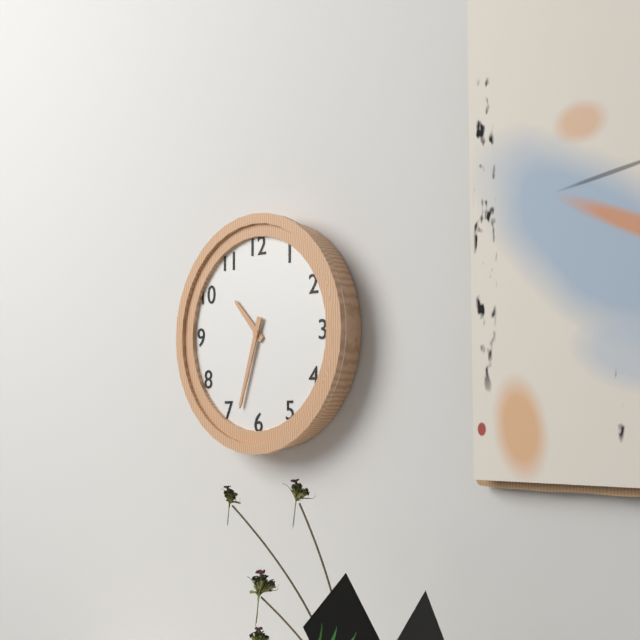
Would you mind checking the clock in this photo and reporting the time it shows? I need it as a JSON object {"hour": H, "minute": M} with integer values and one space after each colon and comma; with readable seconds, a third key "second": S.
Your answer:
{"hour": 10, "minute": 33}
